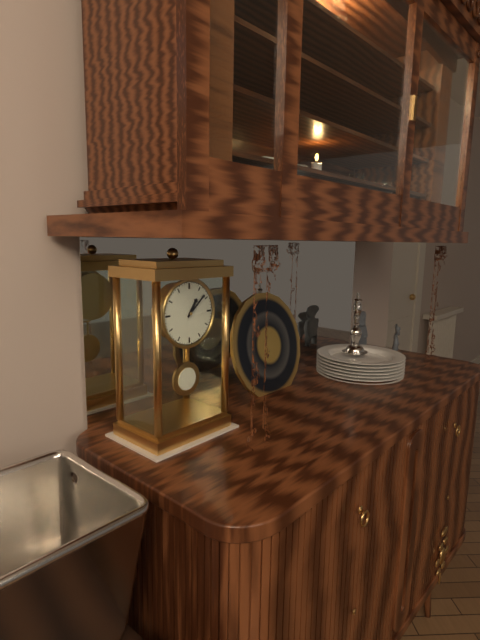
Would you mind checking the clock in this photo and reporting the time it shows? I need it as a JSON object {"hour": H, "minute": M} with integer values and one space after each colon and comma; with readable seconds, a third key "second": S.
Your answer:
{"hour": 1, "minute": 8}
